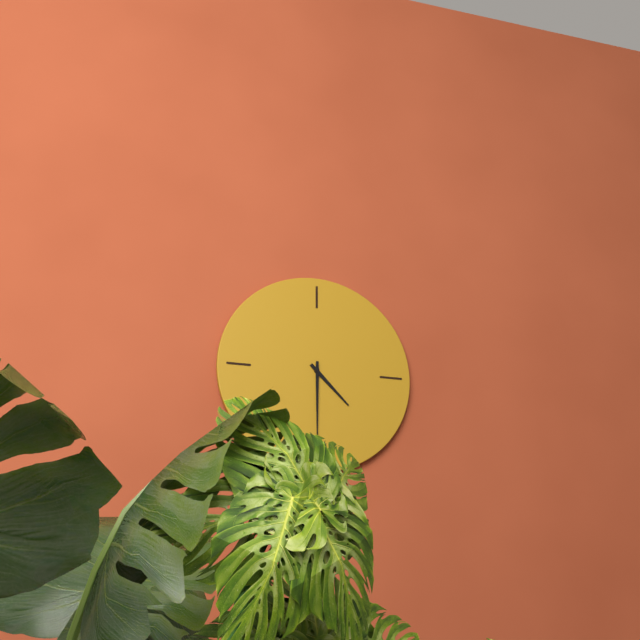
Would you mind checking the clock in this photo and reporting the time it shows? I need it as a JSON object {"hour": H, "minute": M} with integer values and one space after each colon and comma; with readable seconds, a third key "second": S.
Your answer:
{"hour": 4, "minute": 30}
